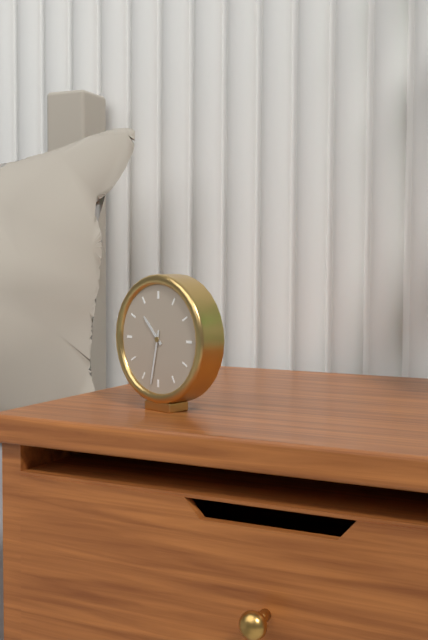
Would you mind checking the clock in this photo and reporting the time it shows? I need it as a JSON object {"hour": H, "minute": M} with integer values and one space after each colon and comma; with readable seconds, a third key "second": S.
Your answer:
{"hour": 10, "minute": 32}
